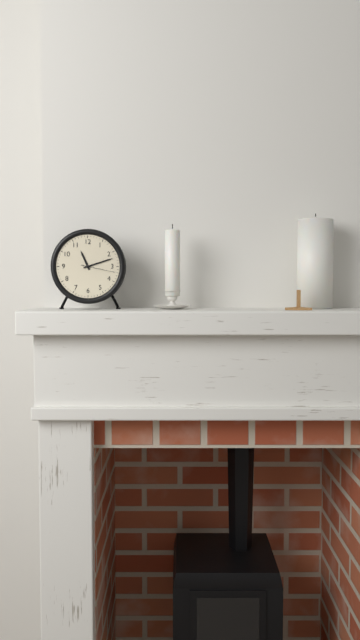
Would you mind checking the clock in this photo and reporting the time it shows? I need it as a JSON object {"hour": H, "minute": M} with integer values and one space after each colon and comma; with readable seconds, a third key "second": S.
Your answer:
{"hour": 11, "minute": 12}
